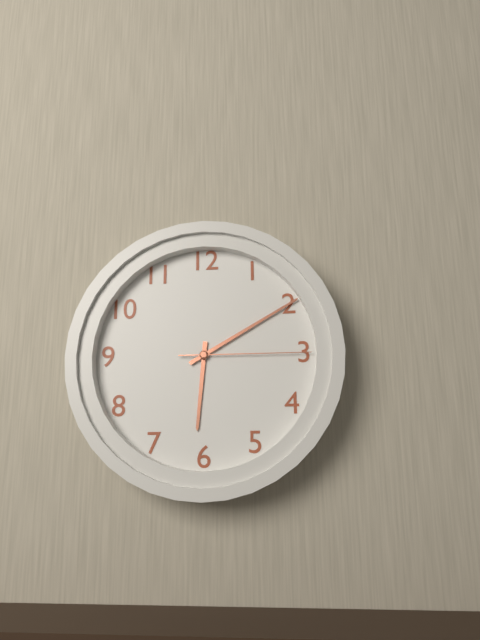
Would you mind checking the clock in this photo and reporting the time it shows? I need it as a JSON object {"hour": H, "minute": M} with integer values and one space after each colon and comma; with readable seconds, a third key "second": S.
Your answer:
{"hour": 6, "minute": 10, "second": 15}
